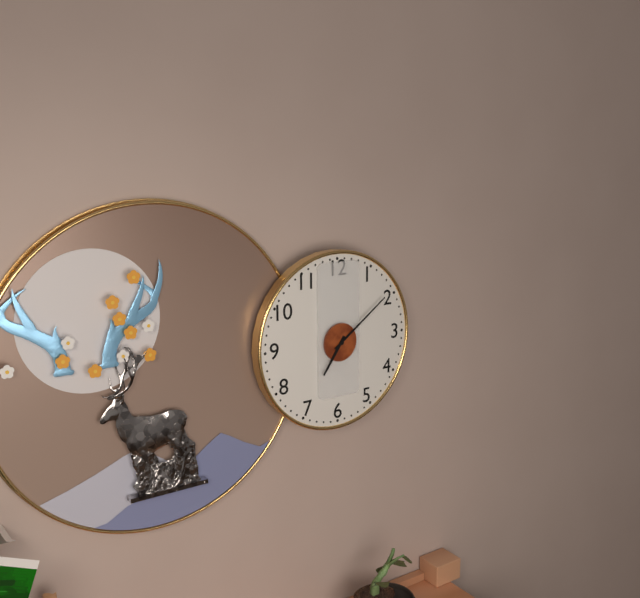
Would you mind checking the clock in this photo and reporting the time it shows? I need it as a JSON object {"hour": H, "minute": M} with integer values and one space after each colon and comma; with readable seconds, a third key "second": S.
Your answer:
{"hour": 7, "minute": 9}
